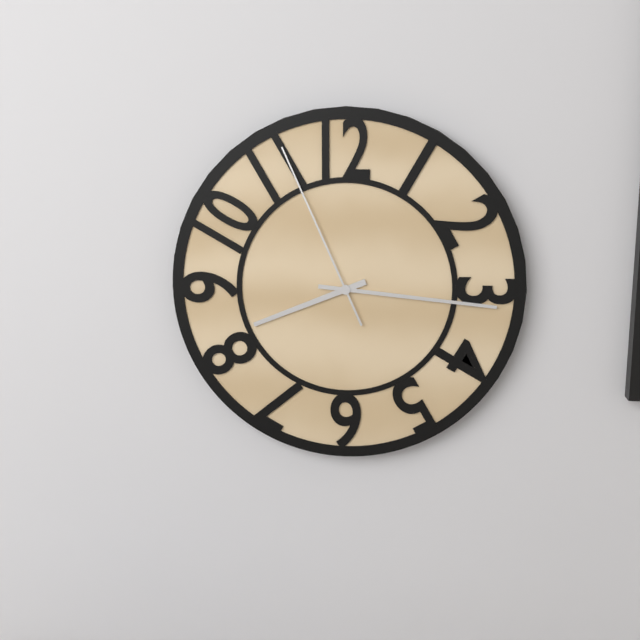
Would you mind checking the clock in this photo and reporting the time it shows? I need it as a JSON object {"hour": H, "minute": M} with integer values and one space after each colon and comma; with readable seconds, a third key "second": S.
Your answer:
{"hour": 8, "minute": 16, "second": 56}
